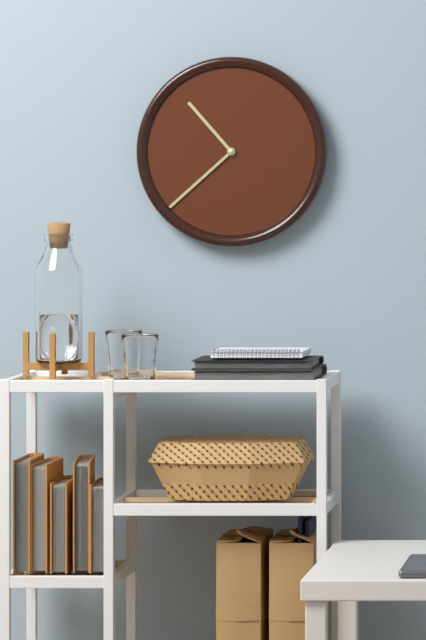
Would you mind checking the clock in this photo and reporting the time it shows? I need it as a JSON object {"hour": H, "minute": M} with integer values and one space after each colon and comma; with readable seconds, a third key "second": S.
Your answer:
{"hour": 10, "minute": 38}
